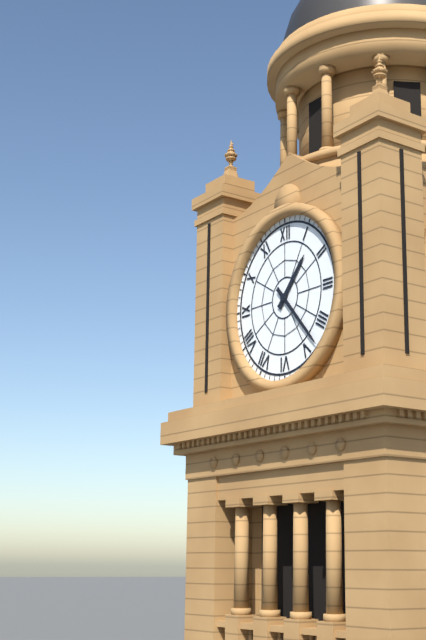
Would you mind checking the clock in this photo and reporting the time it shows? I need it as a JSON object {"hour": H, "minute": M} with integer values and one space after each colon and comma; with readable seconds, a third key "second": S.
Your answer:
{"hour": 1, "minute": 23}
